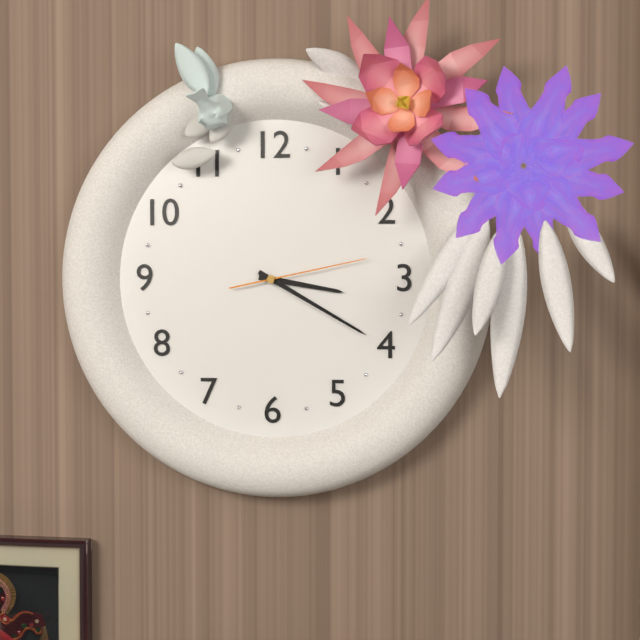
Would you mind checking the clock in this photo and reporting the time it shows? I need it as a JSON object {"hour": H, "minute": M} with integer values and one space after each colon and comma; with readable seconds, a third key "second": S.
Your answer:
{"hour": 3, "minute": 20, "second": 13}
